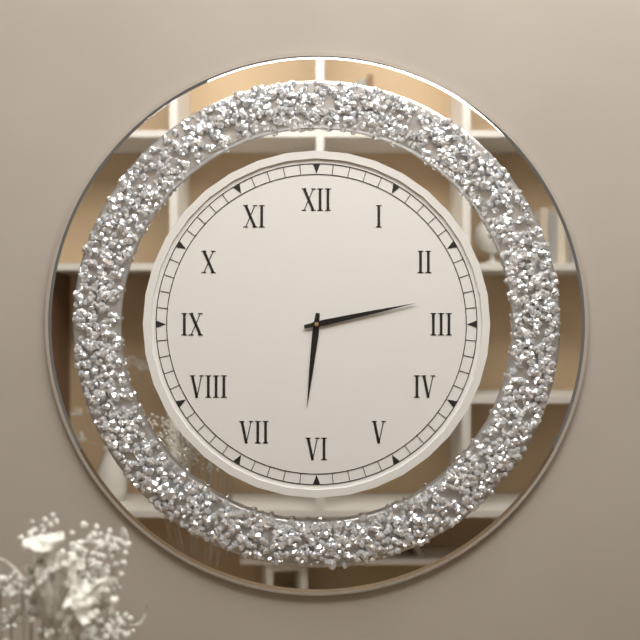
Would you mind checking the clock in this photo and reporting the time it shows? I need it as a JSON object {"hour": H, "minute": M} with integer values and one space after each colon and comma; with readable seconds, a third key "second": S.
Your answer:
{"hour": 6, "minute": 13}
